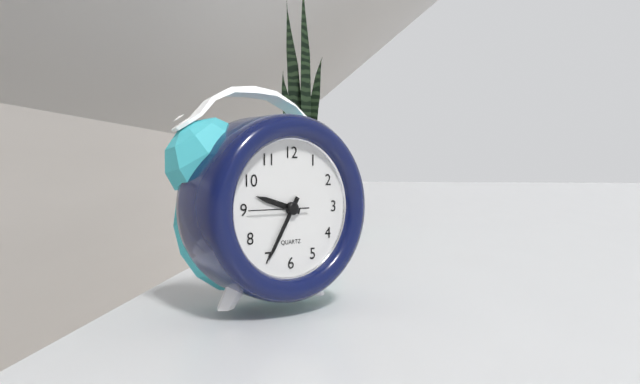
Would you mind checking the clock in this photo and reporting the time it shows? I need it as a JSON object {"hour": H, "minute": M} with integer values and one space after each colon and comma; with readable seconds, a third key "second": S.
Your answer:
{"hour": 9, "minute": 35, "second": 45}
